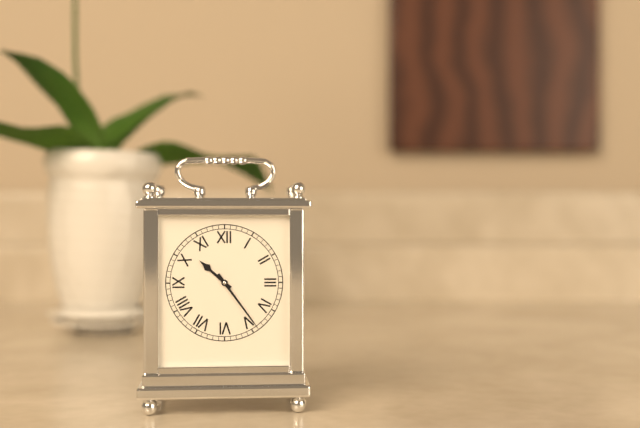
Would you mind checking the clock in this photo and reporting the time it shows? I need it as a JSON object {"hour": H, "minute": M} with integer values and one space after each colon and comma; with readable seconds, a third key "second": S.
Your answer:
{"hour": 10, "minute": 24}
